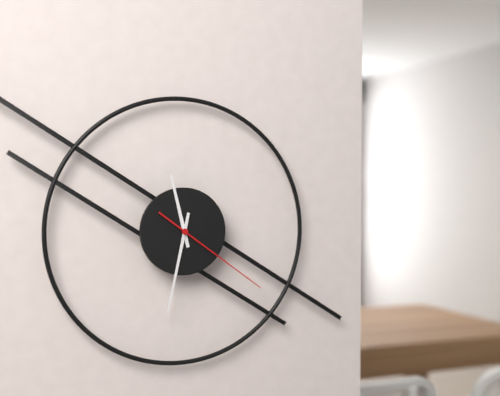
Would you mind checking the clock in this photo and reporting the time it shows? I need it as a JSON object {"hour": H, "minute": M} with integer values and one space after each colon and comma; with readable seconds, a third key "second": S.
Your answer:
{"hour": 11, "minute": 32, "second": 21}
